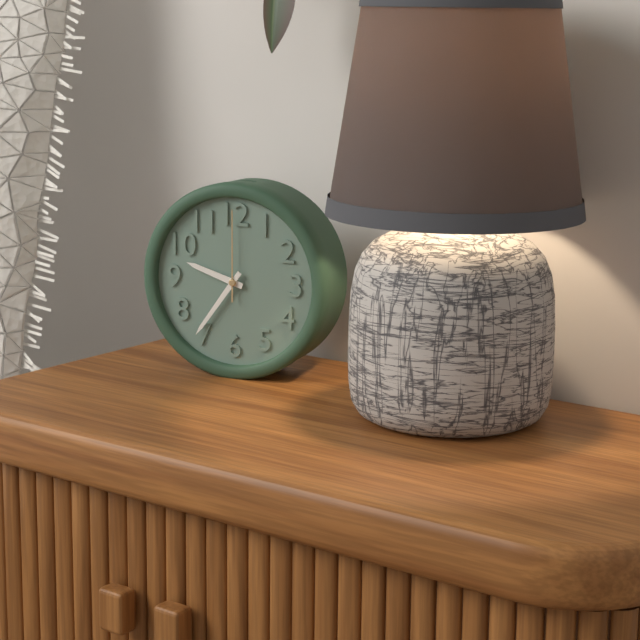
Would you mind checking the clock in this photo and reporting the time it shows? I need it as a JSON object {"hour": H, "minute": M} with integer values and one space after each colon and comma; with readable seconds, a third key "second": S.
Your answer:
{"hour": 9, "minute": 36, "second": 0}
